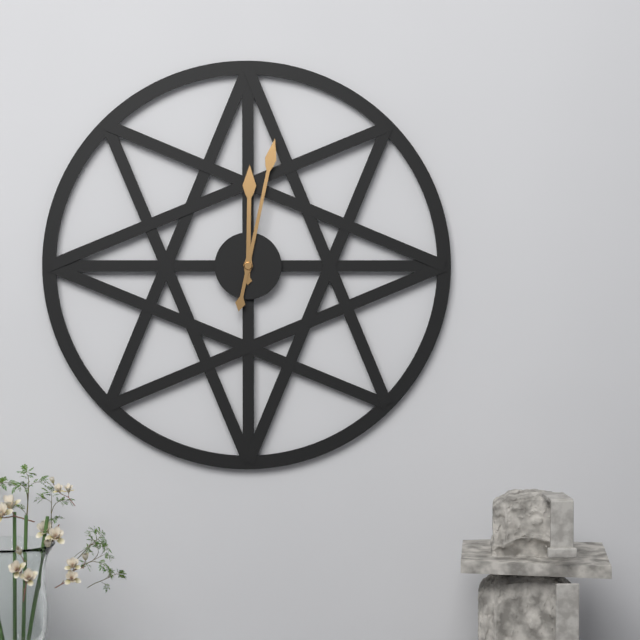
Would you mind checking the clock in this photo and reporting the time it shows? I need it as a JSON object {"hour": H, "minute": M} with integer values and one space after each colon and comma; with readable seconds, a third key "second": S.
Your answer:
{"hour": 12, "minute": 2}
